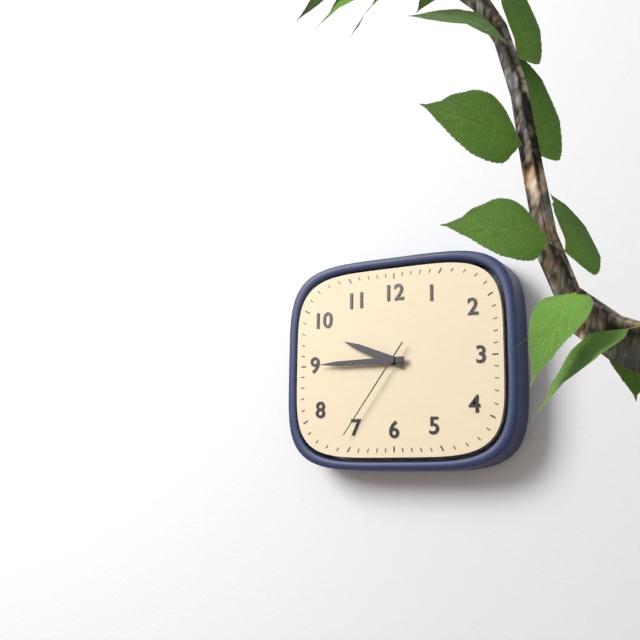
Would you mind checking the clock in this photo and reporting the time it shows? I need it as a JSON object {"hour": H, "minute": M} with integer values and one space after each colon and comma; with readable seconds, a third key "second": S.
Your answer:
{"hour": 9, "minute": 45, "second": 36}
